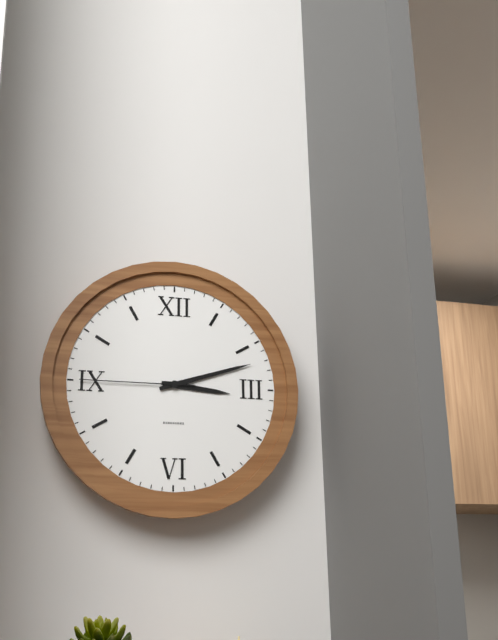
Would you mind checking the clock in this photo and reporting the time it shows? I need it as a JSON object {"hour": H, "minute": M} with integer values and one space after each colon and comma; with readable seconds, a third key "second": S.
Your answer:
{"hour": 3, "minute": 12, "second": 45}
